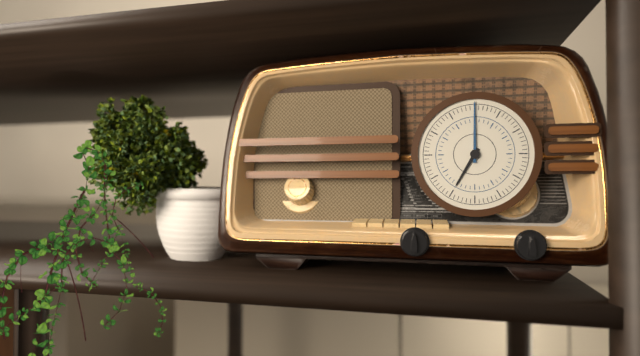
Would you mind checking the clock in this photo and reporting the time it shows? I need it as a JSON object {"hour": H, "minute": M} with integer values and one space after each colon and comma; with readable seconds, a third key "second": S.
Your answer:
{"hour": 7, "minute": 0}
